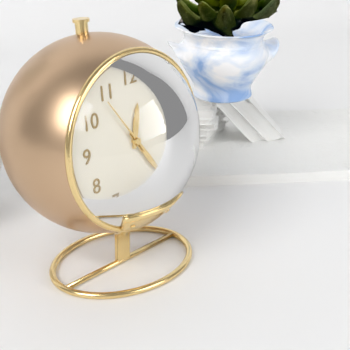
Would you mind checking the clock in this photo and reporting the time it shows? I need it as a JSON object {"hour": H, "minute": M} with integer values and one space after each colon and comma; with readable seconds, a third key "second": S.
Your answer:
{"hour": 12, "minute": 24, "second": 54}
